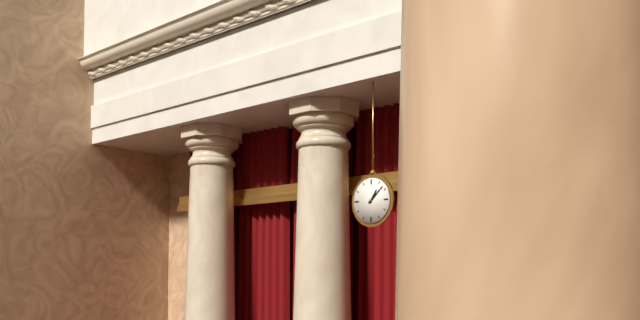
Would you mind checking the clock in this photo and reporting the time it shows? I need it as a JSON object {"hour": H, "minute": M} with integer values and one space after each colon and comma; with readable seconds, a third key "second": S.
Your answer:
{"hour": 1, "minute": 8}
